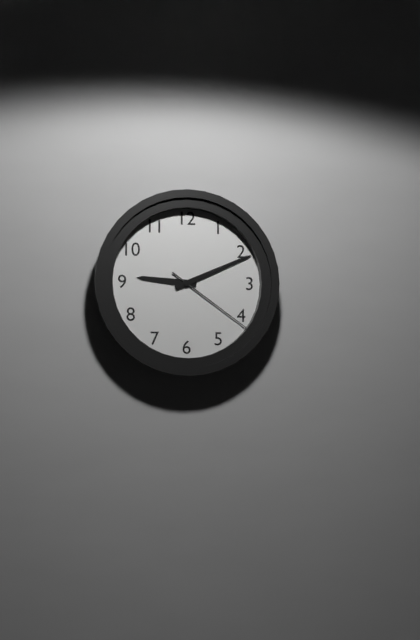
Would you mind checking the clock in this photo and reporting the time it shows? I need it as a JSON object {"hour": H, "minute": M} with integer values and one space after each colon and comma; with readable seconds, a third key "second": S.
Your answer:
{"hour": 9, "minute": 11, "second": 21}
